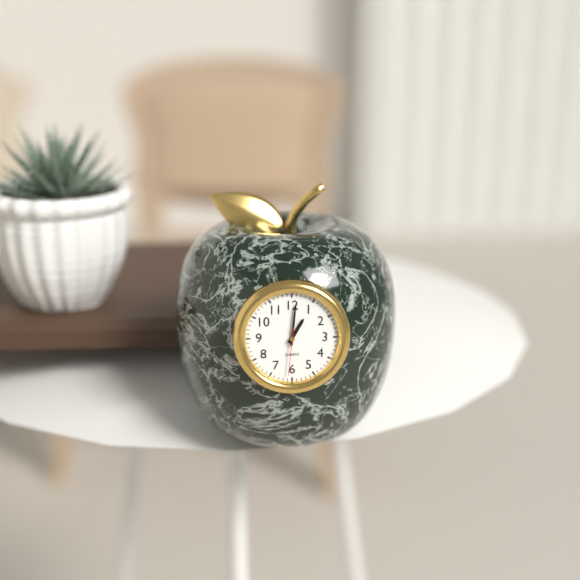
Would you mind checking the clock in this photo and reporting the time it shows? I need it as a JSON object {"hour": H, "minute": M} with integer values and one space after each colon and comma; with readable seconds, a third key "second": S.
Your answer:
{"hour": 1, "minute": 1}
